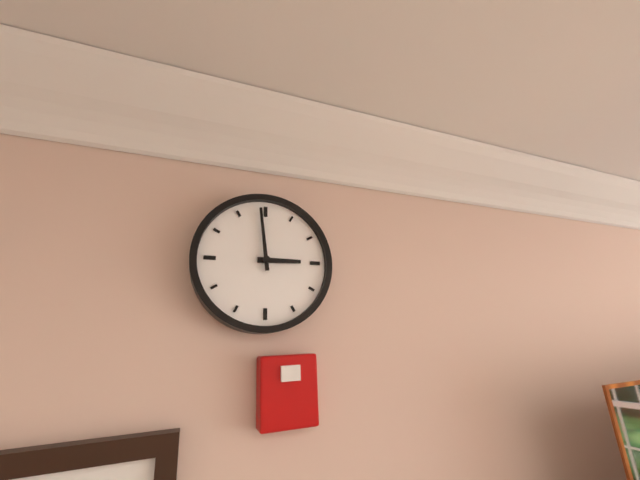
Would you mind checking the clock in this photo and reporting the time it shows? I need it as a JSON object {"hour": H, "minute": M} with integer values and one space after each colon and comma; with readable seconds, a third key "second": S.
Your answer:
{"hour": 2, "minute": 59}
